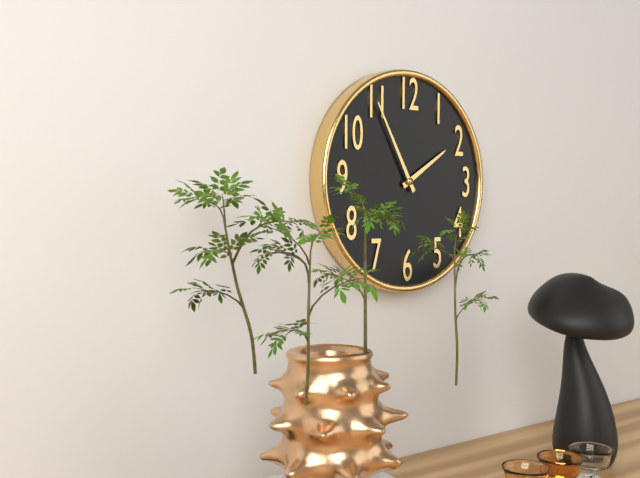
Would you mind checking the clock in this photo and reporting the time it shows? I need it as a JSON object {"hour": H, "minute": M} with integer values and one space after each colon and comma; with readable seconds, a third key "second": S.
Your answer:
{"hour": 1, "minute": 55}
